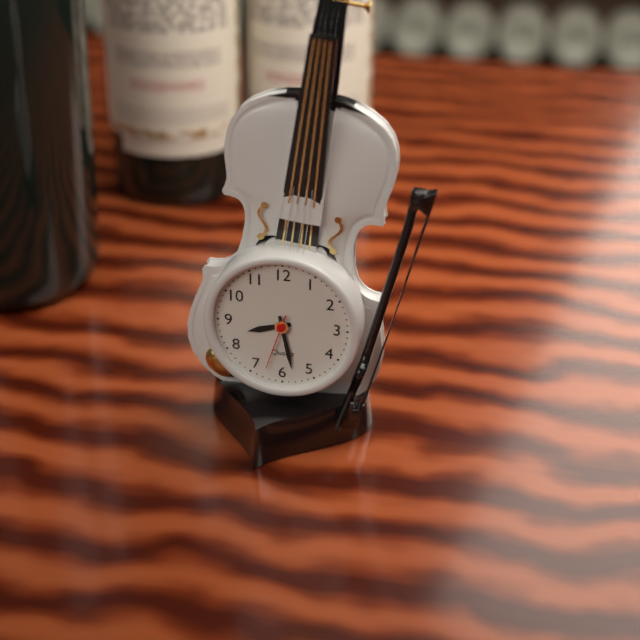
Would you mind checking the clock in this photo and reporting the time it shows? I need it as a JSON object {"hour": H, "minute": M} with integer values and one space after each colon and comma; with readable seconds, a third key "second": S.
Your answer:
{"hour": 8, "minute": 28, "second": 33}
